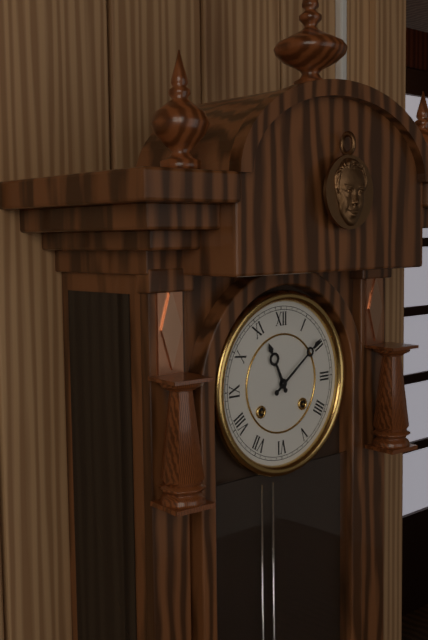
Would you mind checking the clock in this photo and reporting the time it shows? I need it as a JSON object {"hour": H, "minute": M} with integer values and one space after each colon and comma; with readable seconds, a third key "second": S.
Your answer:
{"hour": 11, "minute": 9}
